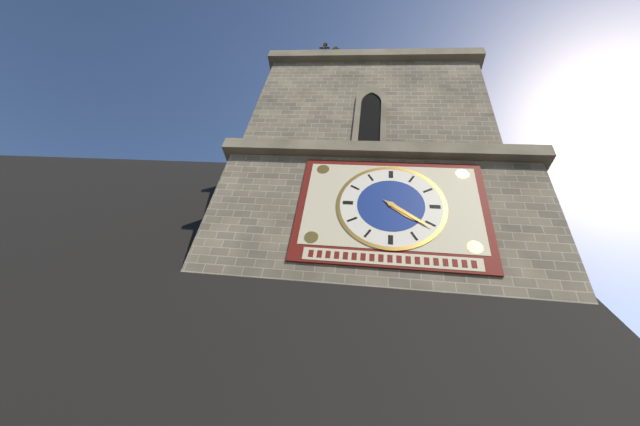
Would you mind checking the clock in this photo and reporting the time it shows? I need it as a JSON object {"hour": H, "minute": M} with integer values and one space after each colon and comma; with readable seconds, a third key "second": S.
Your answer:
{"hour": 4, "minute": 21}
